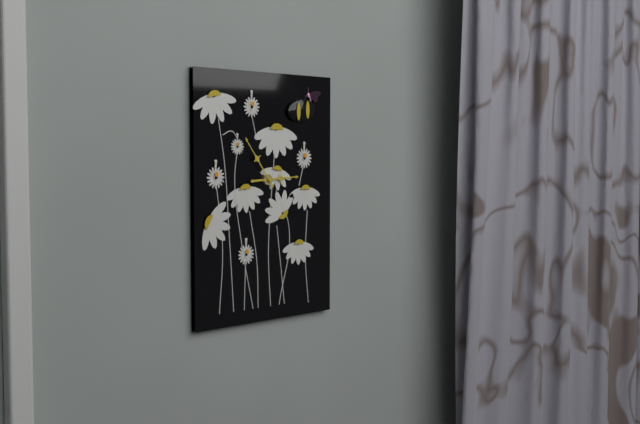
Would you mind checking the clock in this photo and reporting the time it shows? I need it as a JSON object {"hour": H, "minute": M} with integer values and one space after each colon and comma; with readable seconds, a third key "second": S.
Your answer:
{"hour": 2, "minute": 54}
